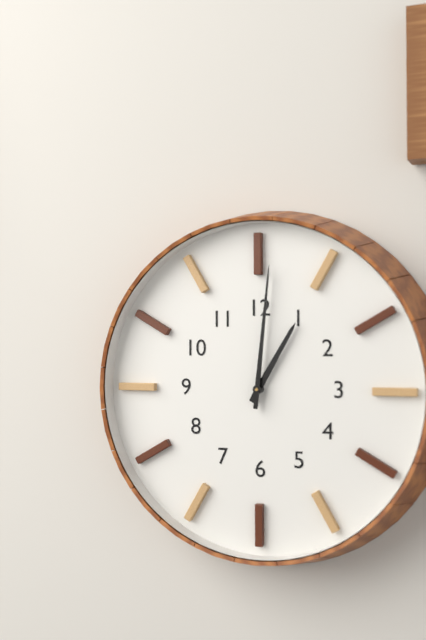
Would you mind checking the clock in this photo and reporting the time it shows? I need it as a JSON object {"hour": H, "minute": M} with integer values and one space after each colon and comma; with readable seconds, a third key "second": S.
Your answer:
{"hour": 1, "minute": 1}
